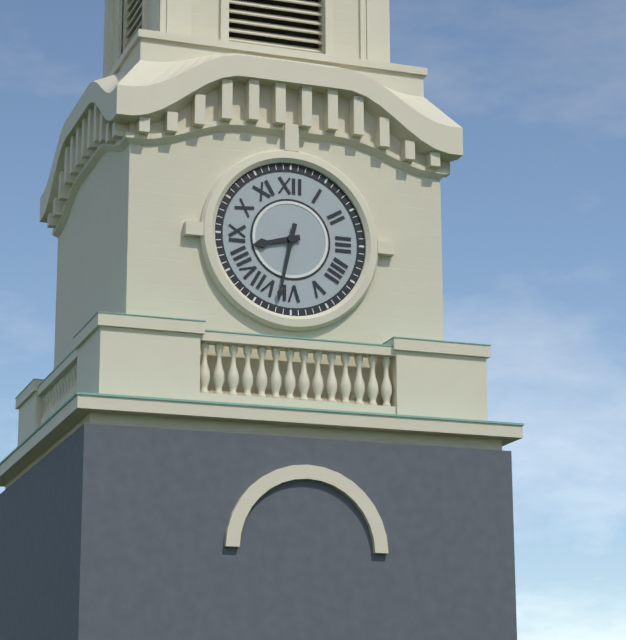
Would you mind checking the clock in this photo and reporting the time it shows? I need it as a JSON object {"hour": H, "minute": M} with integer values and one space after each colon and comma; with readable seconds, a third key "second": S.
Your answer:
{"hour": 8, "minute": 32}
